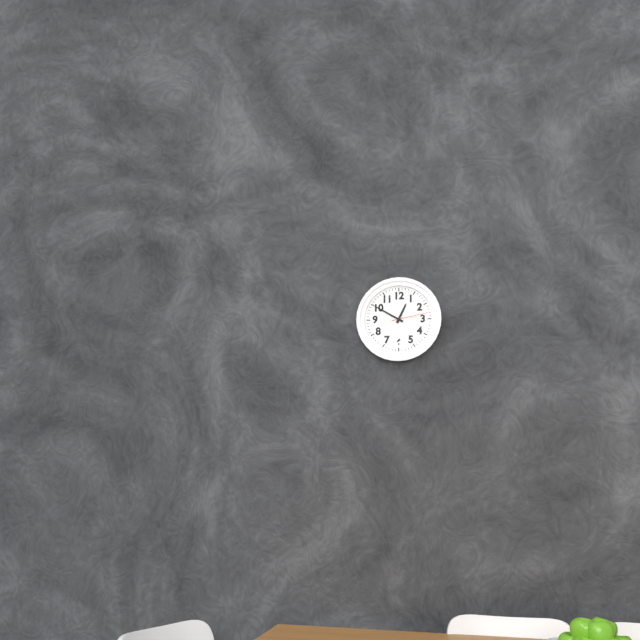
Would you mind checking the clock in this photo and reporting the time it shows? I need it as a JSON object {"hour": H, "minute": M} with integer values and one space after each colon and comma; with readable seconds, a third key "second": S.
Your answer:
{"hour": 12, "minute": 50}
